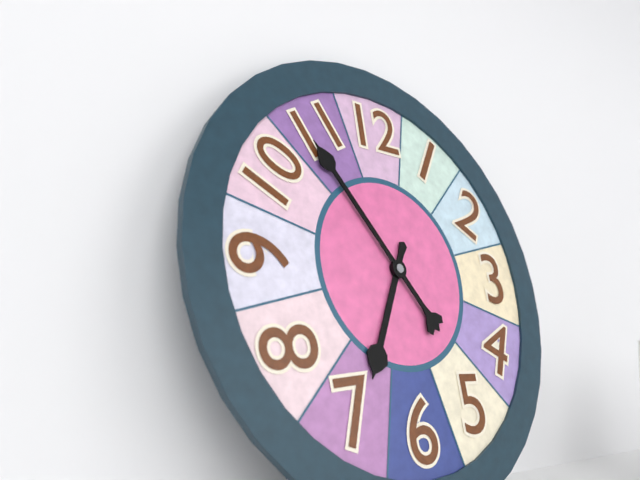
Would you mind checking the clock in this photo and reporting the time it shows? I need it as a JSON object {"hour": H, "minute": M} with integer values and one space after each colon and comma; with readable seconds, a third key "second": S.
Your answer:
{"hour": 6, "minute": 54}
